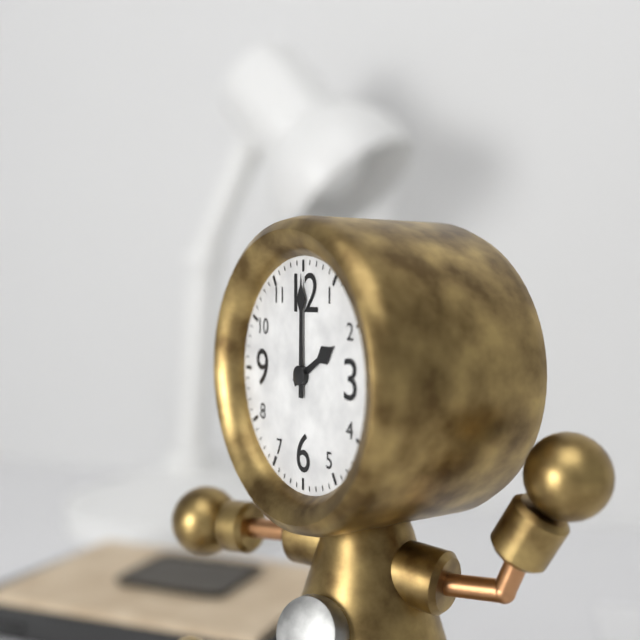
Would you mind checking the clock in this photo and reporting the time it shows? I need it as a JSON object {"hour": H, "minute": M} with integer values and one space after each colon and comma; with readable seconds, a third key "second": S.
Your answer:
{"hour": 2, "minute": 0}
